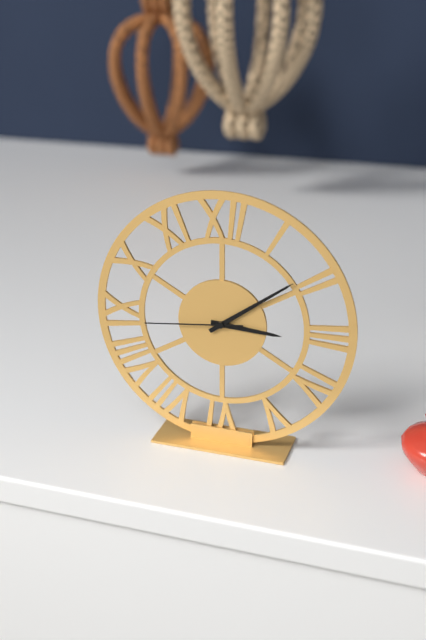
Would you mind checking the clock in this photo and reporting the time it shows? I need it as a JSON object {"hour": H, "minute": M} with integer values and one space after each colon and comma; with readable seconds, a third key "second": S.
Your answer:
{"hour": 3, "minute": 9, "second": 44}
